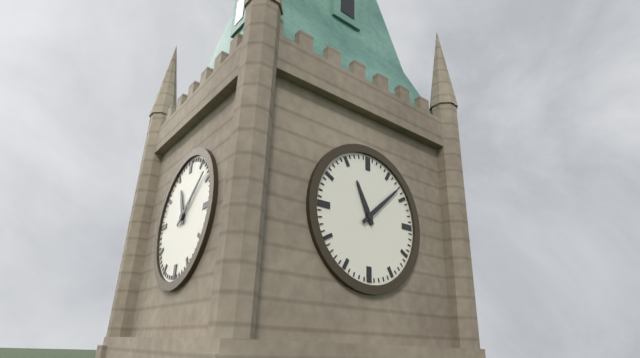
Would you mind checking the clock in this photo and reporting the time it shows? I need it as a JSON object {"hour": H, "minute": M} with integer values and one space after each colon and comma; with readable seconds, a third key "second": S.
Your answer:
{"hour": 11, "minute": 8}
